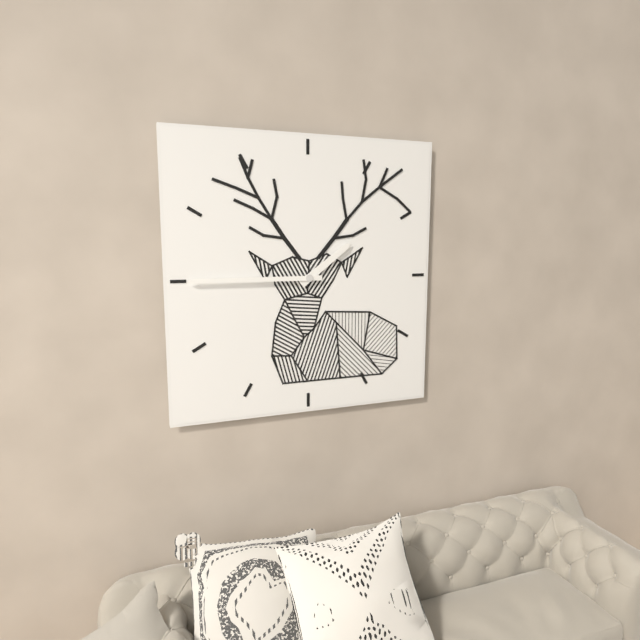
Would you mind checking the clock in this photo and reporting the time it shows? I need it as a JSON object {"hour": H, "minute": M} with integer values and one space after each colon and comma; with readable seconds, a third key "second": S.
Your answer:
{"hour": 1, "minute": 45}
